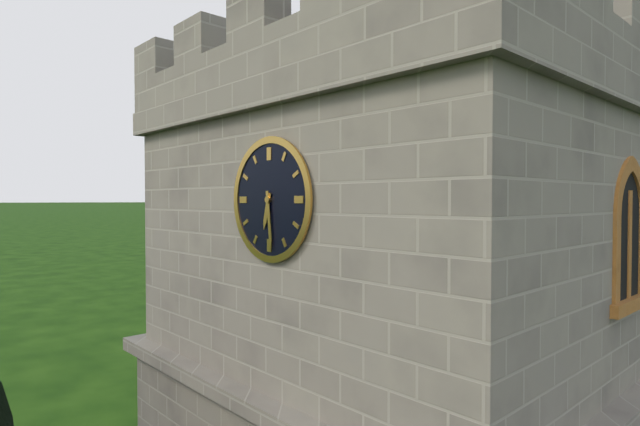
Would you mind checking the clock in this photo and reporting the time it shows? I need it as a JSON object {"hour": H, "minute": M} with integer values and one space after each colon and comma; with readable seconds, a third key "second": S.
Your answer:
{"hour": 6, "minute": 29}
